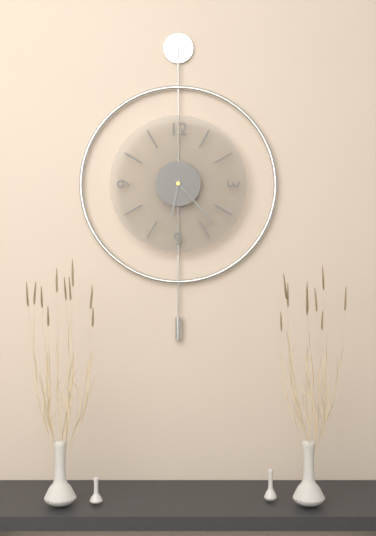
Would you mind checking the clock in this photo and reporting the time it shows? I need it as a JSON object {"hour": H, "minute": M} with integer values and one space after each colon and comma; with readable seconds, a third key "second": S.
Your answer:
{"hour": 6, "minute": 23}
